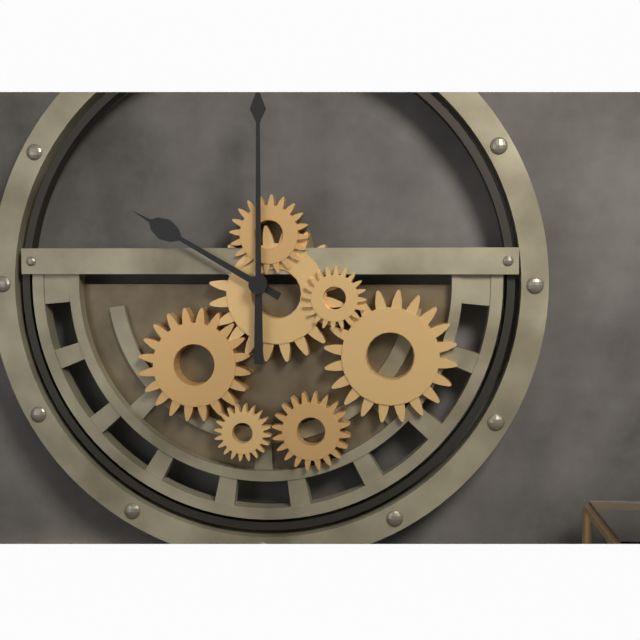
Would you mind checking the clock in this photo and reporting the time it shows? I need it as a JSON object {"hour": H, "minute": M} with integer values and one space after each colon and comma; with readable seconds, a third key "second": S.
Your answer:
{"hour": 10, "minute": 0}
